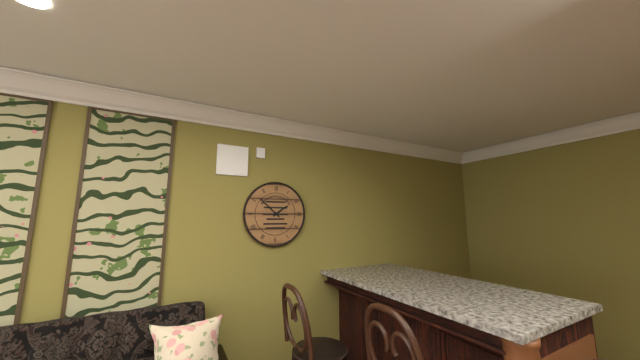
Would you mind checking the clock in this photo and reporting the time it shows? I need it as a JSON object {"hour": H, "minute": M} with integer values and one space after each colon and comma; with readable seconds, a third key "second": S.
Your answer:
{"hour": 1, "minute": 52}
